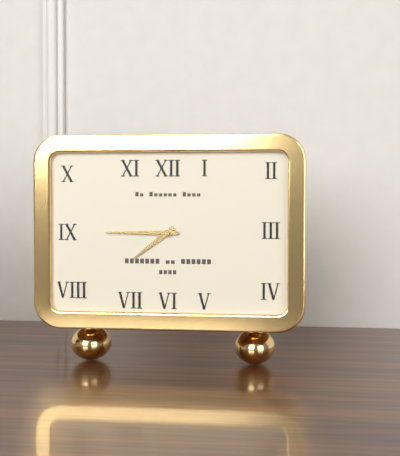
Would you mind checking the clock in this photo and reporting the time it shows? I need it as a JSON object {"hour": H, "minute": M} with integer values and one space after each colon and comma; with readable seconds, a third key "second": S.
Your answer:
{"hour": 7, "minute": 45}
